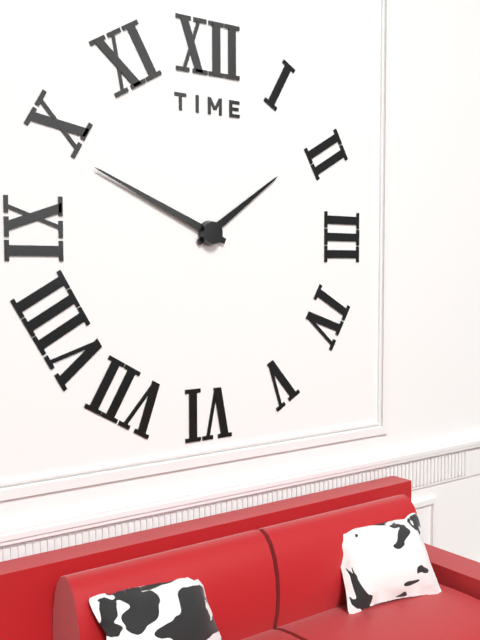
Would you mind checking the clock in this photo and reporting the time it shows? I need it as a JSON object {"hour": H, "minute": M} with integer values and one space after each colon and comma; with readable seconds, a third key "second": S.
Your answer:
{"hour": 1, "minute": 49}
